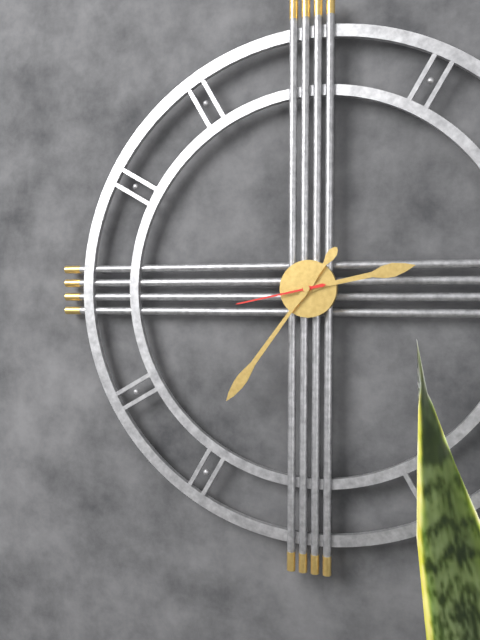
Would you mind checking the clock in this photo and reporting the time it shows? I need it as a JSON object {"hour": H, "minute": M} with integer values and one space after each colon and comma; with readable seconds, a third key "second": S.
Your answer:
{"hour": 2, "minute": 36, "second": 43}
